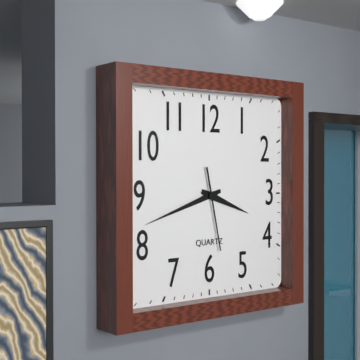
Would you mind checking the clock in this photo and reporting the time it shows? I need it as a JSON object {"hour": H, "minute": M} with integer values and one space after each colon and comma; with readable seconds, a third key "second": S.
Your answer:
{"hour": 3, "minute": 42, "second": 28}
